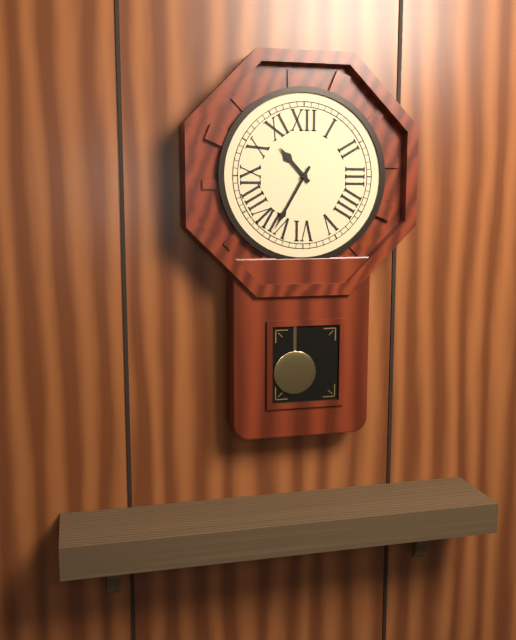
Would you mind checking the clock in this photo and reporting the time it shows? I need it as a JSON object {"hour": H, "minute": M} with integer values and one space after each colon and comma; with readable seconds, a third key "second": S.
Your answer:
{"hour": 10, "minute": 35}
